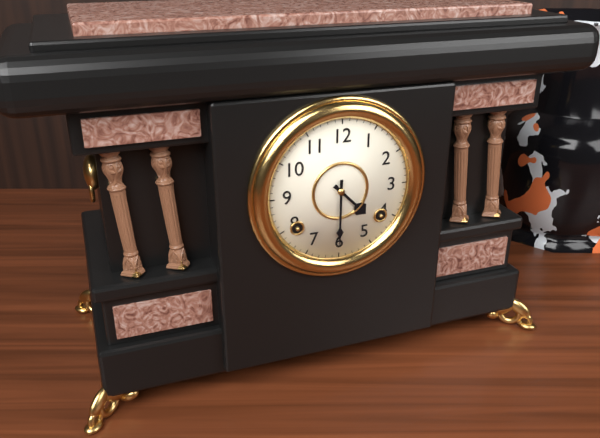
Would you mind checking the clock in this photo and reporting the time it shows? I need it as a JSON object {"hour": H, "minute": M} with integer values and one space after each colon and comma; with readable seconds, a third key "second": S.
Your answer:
{"hour": 4, "minute": 30}
